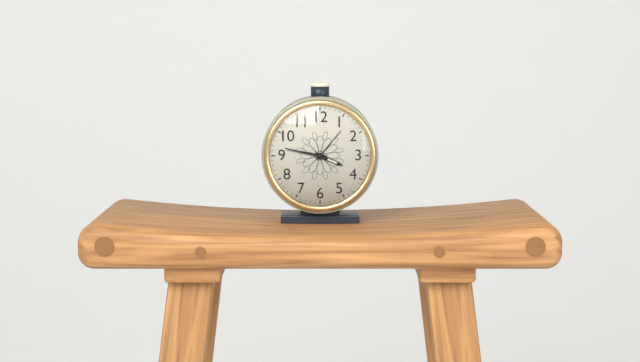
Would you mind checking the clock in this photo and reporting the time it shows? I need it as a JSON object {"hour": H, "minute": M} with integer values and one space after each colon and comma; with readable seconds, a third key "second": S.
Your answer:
{"hour": 3, "minute": 47}
